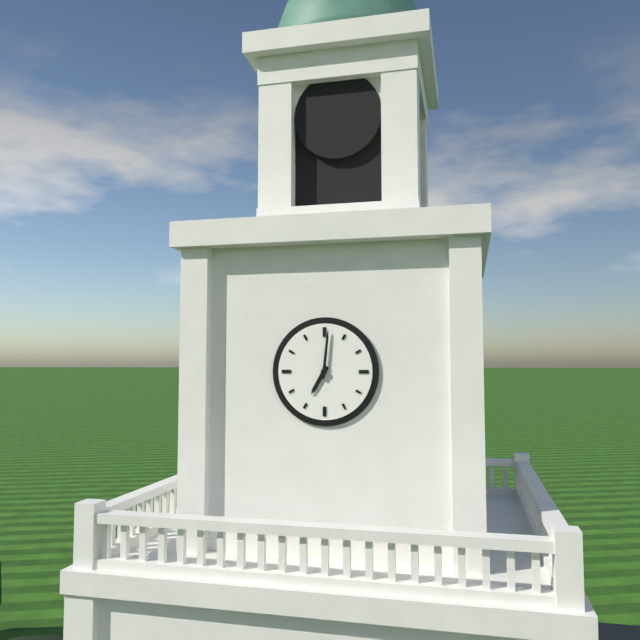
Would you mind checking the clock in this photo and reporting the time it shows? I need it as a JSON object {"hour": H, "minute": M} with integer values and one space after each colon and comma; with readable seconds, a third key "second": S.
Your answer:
{"hour": 7, "minute": 1}
